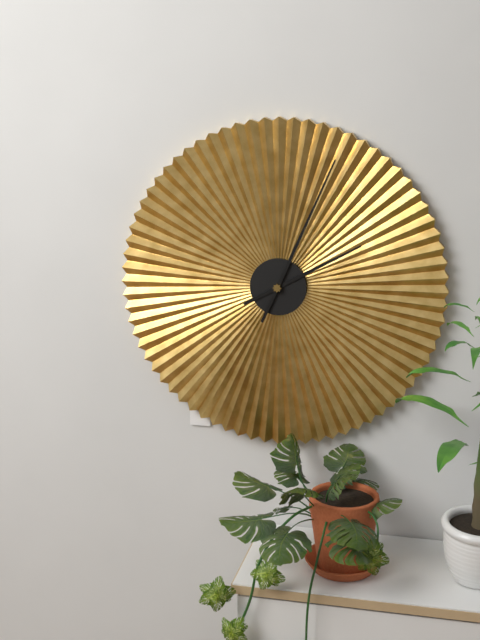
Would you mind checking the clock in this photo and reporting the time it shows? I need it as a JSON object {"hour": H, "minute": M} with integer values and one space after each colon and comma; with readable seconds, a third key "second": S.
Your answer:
{"hour": 2, "minute": 4}
